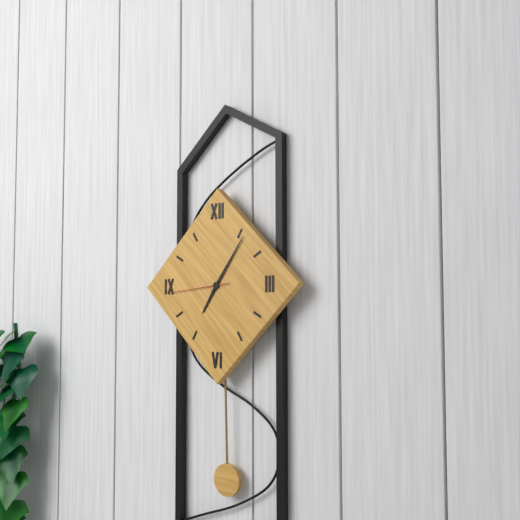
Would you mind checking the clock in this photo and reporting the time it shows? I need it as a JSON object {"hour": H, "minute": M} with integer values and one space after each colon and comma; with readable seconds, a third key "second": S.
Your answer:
{"hour": 7, "minute": 6, "second": 44}
